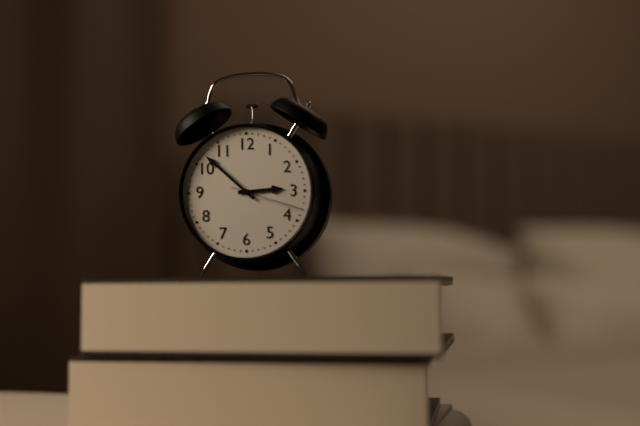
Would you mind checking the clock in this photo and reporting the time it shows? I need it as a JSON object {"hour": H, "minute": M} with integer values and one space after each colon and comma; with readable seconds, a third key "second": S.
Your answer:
{"hour": 2, "minute": 52, "second": 18}
